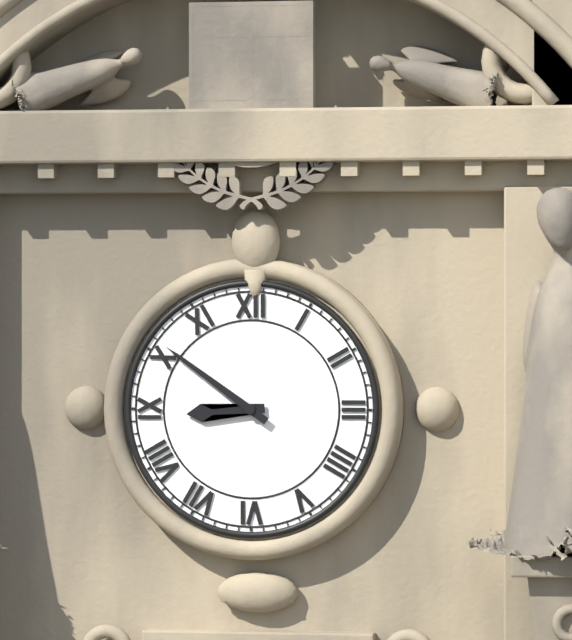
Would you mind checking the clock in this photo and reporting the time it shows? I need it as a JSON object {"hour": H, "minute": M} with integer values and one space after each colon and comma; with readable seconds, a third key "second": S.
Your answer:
{"hour": 8, "minute": 51}
